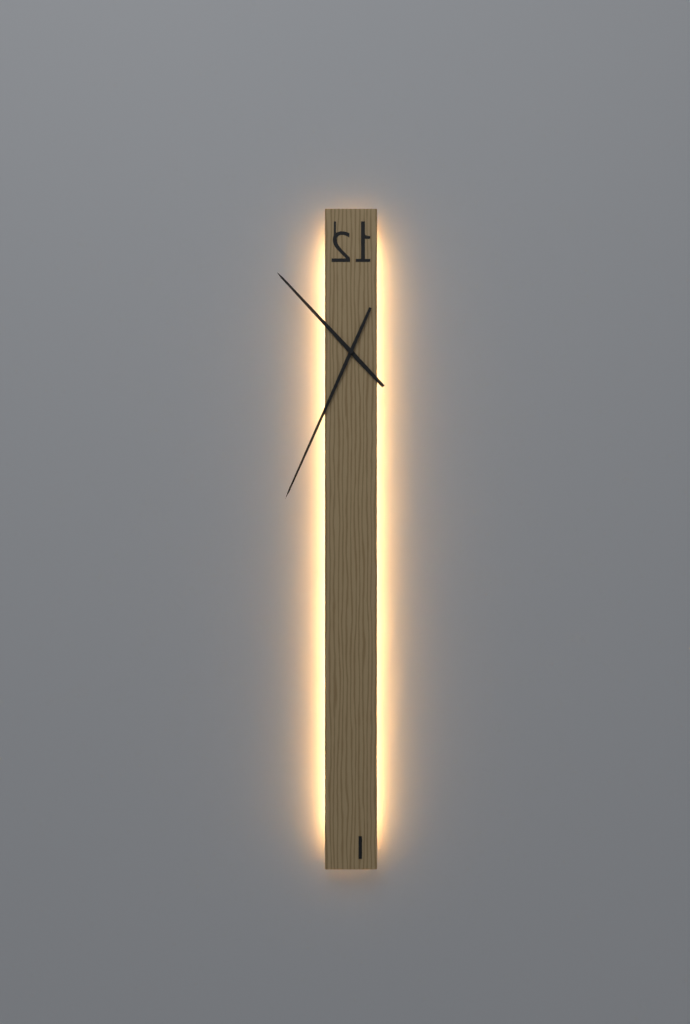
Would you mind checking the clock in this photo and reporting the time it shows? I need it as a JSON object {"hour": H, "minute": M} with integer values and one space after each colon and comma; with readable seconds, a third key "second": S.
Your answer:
{"hour": 10, "minute": 34}
